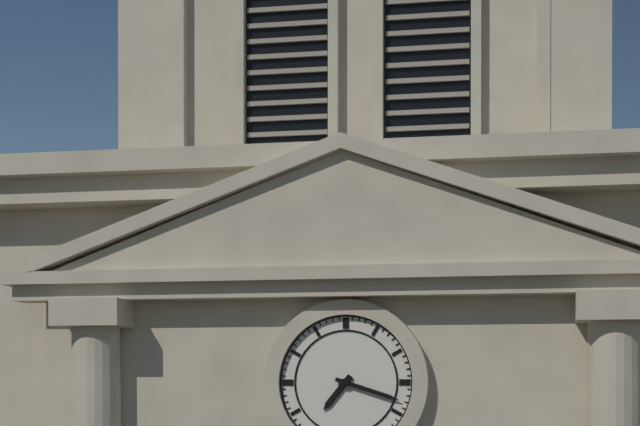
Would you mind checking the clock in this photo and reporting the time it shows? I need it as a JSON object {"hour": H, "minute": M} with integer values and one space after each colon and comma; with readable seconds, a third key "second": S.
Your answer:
{"hour": 7, "minute": 18}
